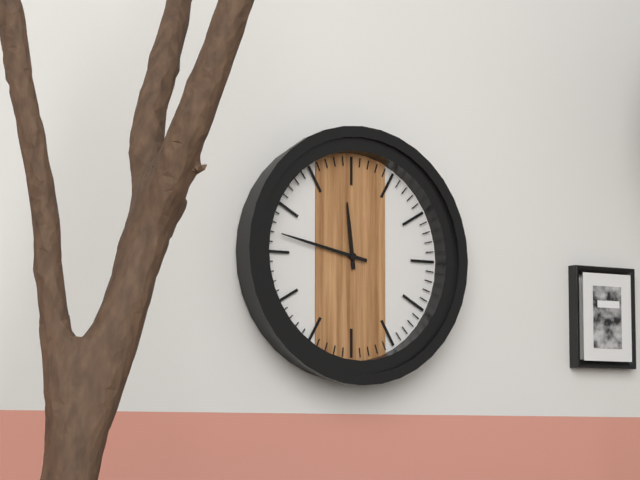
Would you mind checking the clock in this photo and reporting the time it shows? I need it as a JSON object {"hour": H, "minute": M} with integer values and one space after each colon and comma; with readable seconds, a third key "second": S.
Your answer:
{"hour": 11, "minute": 47}
